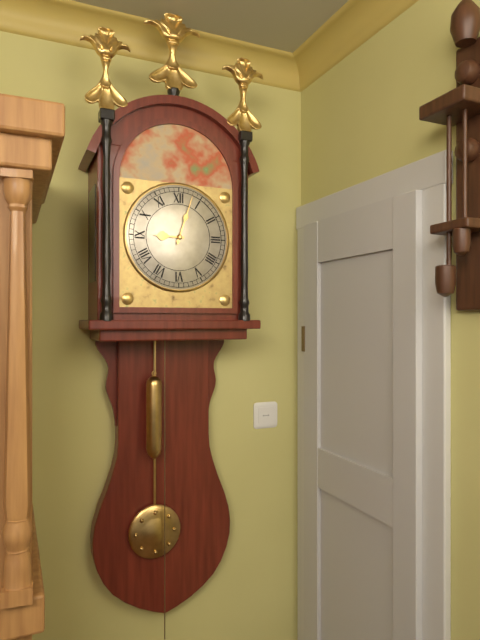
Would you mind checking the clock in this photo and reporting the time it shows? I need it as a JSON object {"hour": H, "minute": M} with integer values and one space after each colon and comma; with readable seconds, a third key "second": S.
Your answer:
{"hour": 9, "minute": 3}
